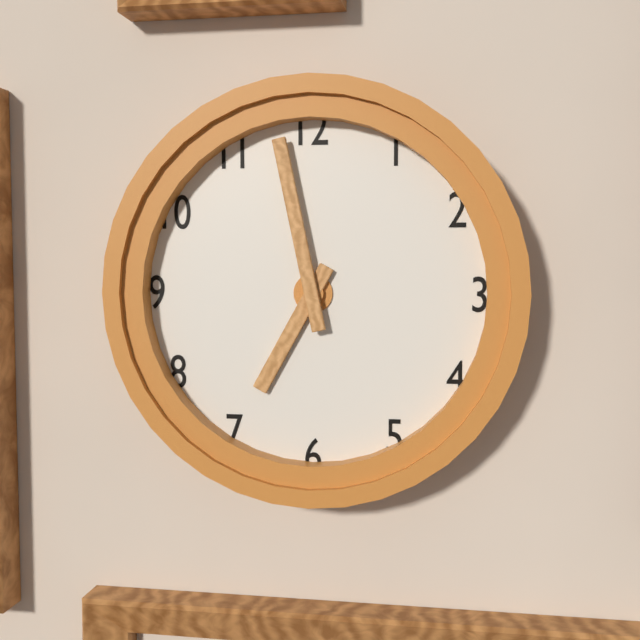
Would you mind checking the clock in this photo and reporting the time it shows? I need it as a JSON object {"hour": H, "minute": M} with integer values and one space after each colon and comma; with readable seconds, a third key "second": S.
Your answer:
{"hour": 6, "minute": 58}
